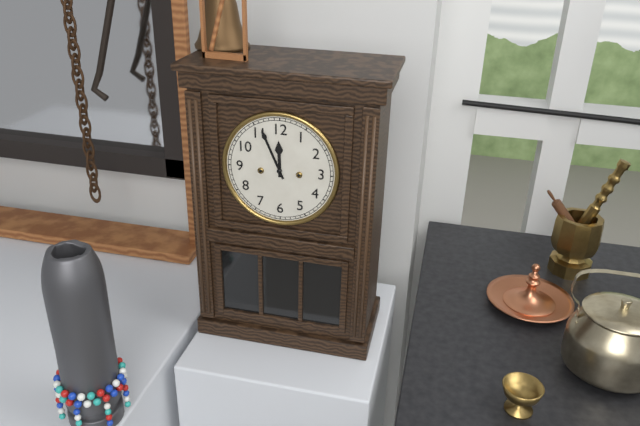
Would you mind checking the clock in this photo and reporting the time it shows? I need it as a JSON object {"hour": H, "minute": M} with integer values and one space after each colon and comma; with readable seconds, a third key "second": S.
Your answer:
{"hour": 11, "minute": 56}
